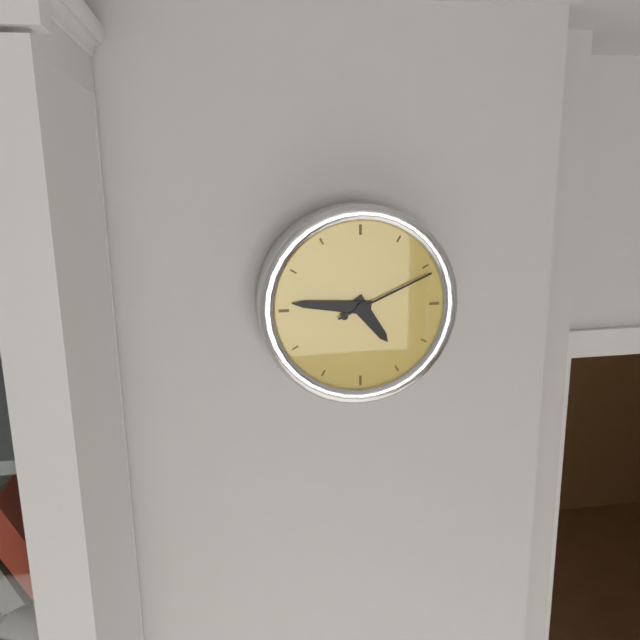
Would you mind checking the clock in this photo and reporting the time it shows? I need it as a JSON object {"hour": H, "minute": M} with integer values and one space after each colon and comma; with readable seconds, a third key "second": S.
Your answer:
{"hour": 4, "minute": 46, "second": 11}
